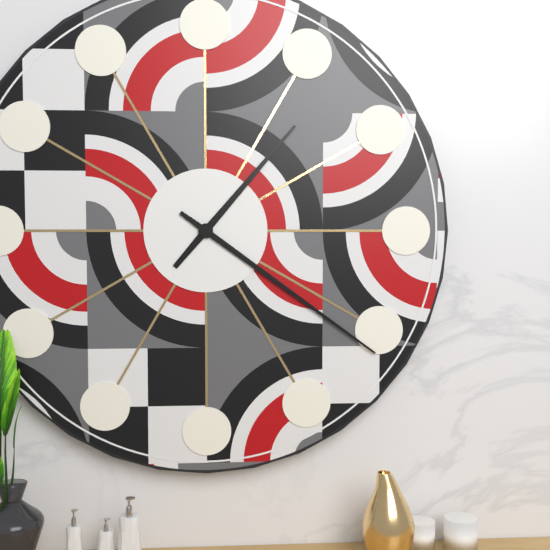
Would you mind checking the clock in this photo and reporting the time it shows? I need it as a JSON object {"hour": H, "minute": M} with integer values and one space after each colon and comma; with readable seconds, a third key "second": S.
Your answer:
{"hour": 1, "minute": 21}
